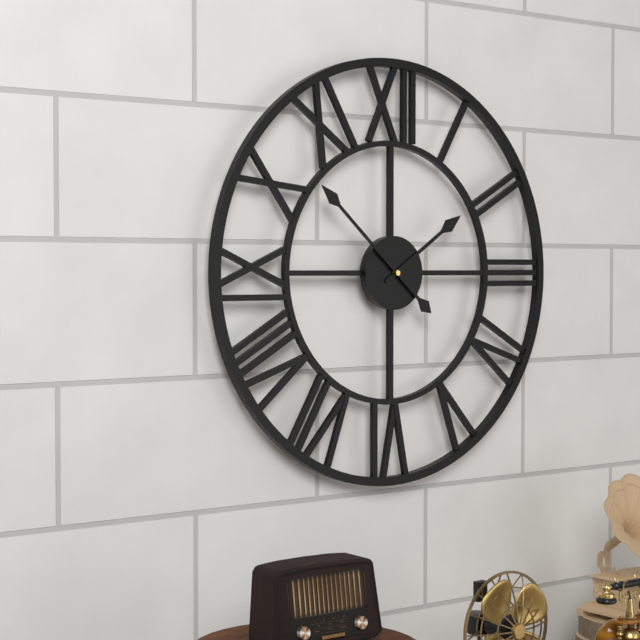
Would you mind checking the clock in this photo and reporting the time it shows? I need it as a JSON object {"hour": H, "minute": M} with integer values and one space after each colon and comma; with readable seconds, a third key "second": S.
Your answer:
{"hour": 1, "minute": 52}
